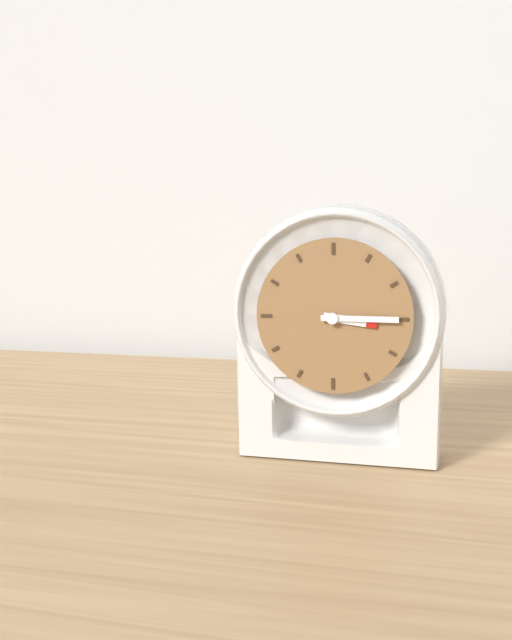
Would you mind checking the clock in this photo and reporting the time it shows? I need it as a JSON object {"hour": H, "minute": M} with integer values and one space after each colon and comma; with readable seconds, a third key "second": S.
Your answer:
{"hour": 3, "minute": 15}
